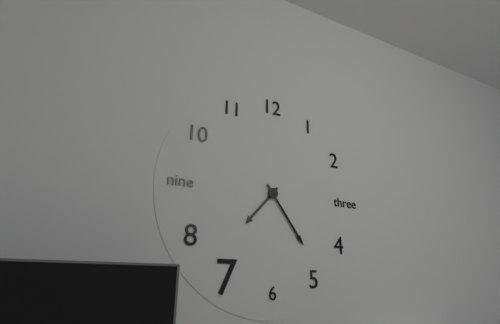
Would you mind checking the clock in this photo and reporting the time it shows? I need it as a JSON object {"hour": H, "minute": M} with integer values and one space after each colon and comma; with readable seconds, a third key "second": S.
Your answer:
{"hour": 7, "minute": 24}
